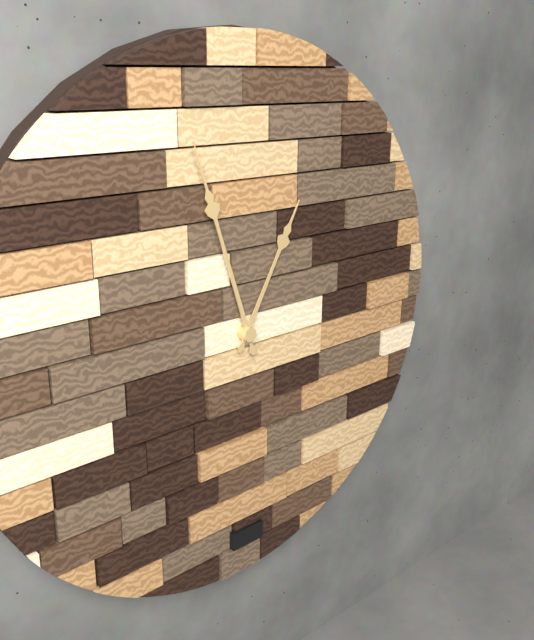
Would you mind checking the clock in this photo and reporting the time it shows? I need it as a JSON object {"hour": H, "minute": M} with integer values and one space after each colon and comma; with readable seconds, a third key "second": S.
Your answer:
{"hour": 12, "minute": 57}
